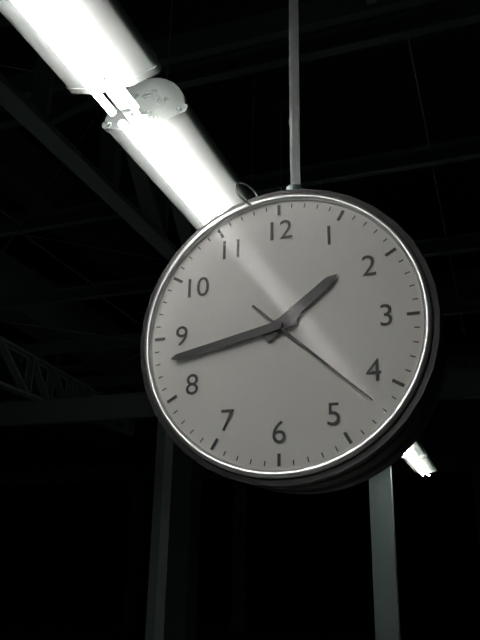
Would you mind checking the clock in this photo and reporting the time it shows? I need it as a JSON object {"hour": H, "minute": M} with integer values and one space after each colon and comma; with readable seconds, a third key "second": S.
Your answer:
{"hour": 1, "minute": 43, "second": 22}
